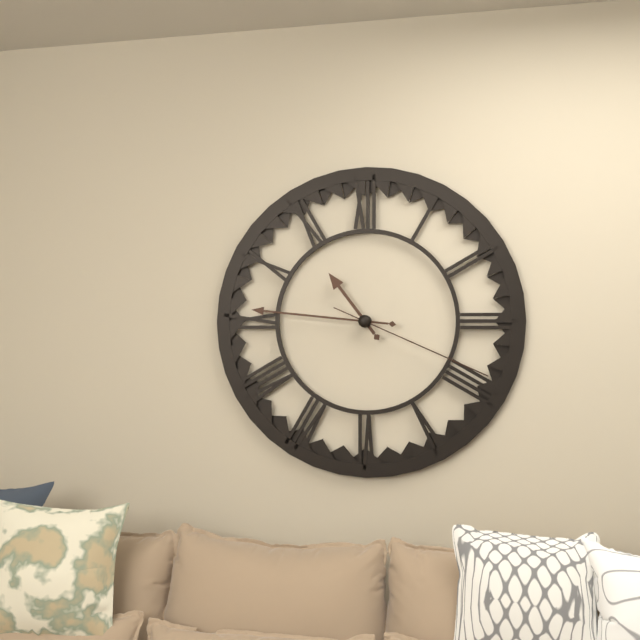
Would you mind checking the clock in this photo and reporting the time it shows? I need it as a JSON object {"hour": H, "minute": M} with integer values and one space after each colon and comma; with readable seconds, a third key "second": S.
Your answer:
{"hour": 10, "minute": 46, "second": 19}
